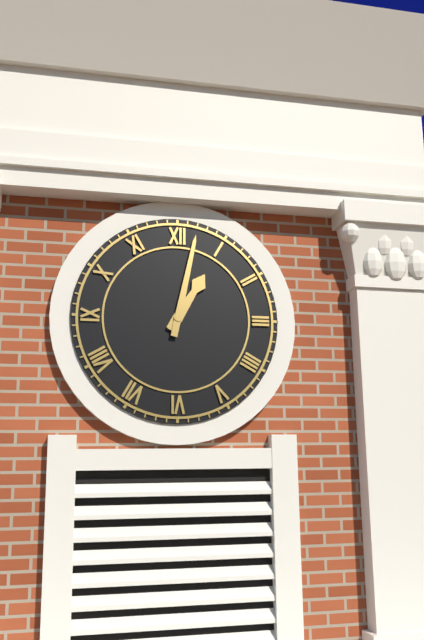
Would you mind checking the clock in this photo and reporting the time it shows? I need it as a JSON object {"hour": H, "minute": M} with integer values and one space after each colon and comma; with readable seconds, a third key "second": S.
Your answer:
{"hour": 1, "minute": 2}
